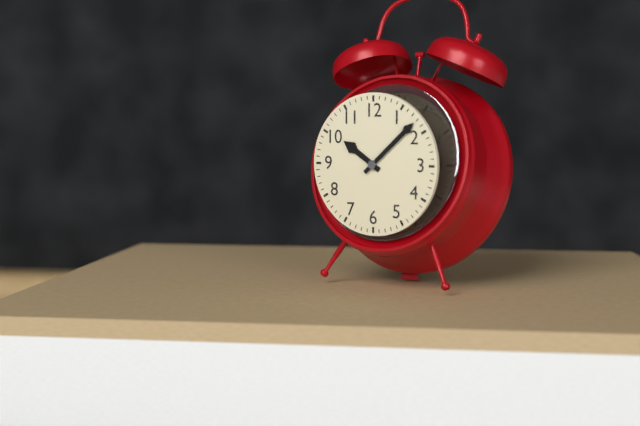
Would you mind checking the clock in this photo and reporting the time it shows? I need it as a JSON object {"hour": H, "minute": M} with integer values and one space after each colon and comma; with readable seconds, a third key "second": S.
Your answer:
{"hour": 10, "minute": 8}
